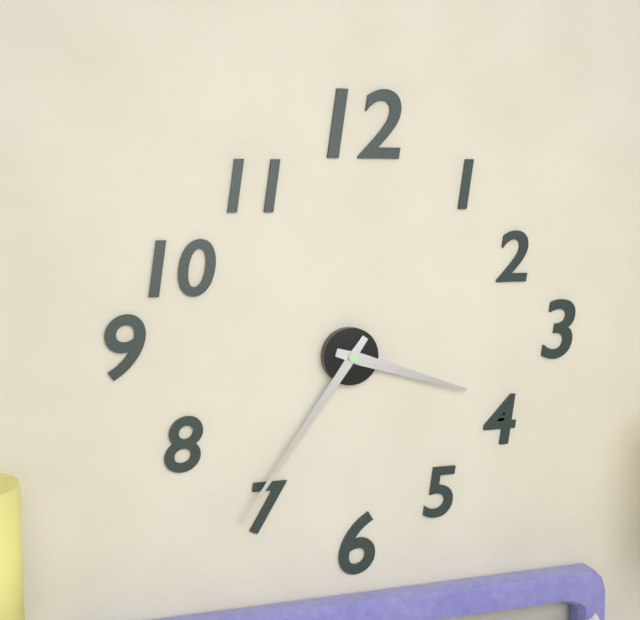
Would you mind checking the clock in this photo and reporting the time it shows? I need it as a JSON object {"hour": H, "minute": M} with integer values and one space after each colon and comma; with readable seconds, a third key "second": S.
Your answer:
{"hour": 3, "minute": 36}
